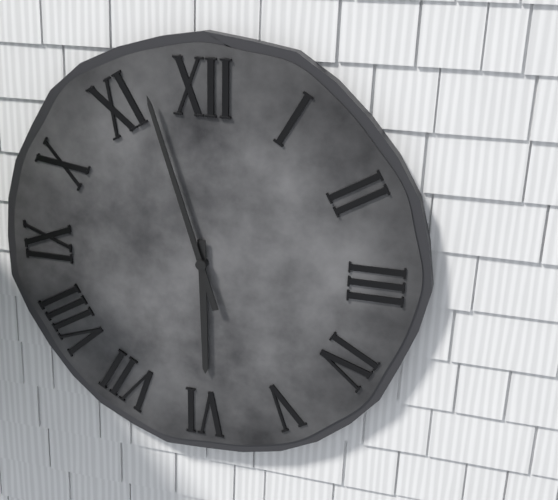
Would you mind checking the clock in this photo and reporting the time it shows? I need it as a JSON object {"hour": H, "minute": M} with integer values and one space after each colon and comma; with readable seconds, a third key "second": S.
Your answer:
{"hour": 5, "minute": 57}
